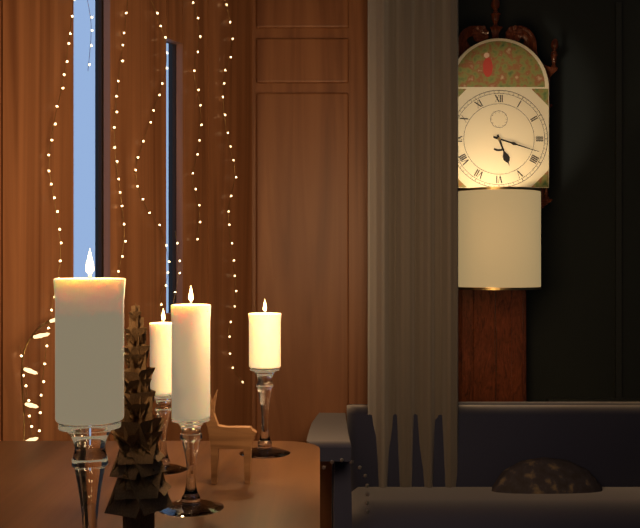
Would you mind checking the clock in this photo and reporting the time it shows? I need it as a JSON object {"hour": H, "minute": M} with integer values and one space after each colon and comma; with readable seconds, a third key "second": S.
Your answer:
{"hour": 5, "minute": 18}
